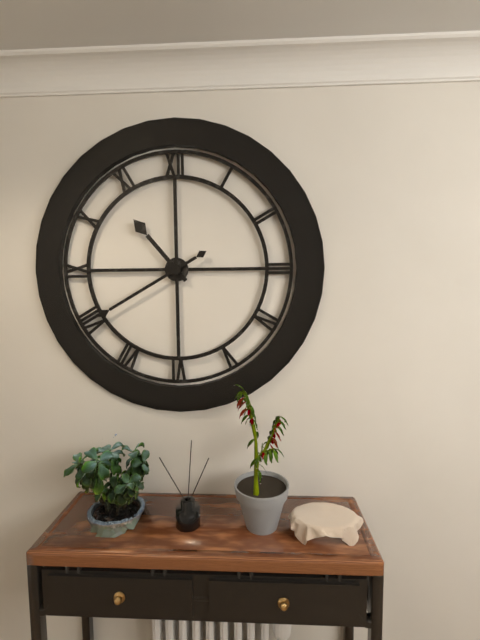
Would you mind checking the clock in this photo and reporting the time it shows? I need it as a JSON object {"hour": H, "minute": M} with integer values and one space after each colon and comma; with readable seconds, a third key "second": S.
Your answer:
{"hour": 10, "minute": 40}
